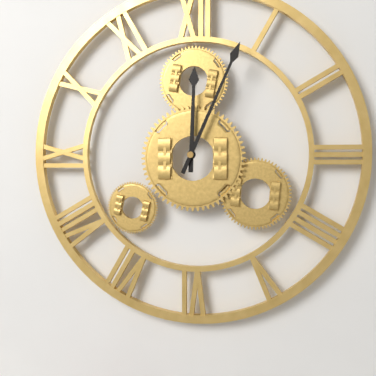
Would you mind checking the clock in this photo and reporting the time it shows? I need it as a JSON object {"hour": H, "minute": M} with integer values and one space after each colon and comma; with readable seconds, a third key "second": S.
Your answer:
{"hour": 12, "minute": 4}
